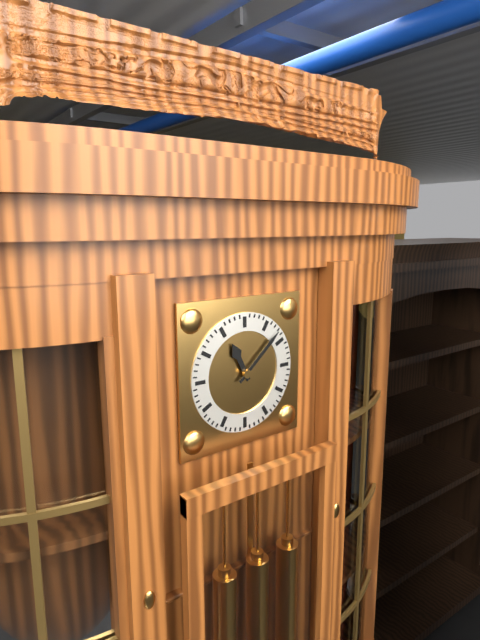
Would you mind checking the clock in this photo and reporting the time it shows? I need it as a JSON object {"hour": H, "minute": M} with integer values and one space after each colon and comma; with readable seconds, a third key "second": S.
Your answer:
{"hour": 11, "minute": 8}
